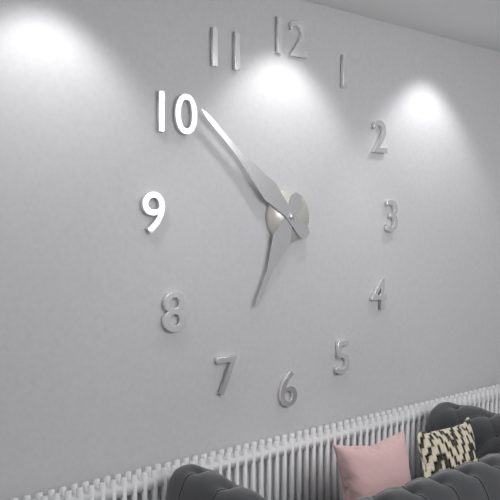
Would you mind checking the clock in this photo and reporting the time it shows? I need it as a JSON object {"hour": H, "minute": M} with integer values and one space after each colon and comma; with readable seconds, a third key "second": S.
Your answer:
{"hour": 6, "minute": 52}
